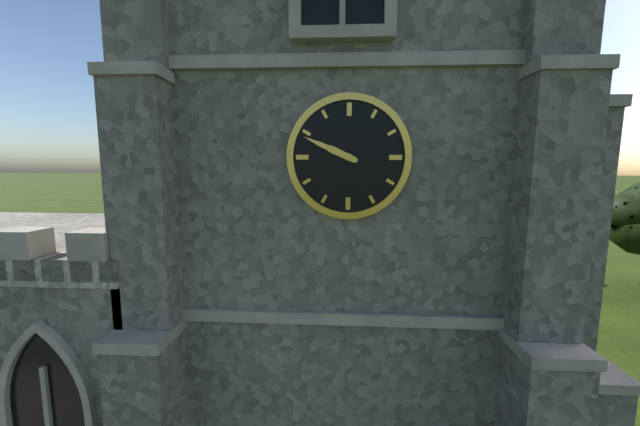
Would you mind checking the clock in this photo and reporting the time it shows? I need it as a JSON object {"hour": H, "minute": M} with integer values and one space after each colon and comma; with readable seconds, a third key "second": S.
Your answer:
{"hour": 9, "minute": 49}
